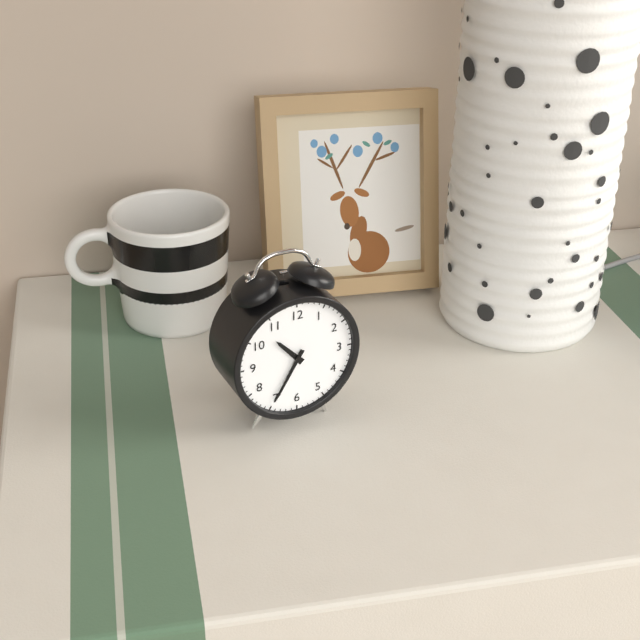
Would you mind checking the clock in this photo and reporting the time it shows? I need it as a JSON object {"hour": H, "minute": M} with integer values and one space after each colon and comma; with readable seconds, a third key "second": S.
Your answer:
{"hour": 10, "minute": 35}
